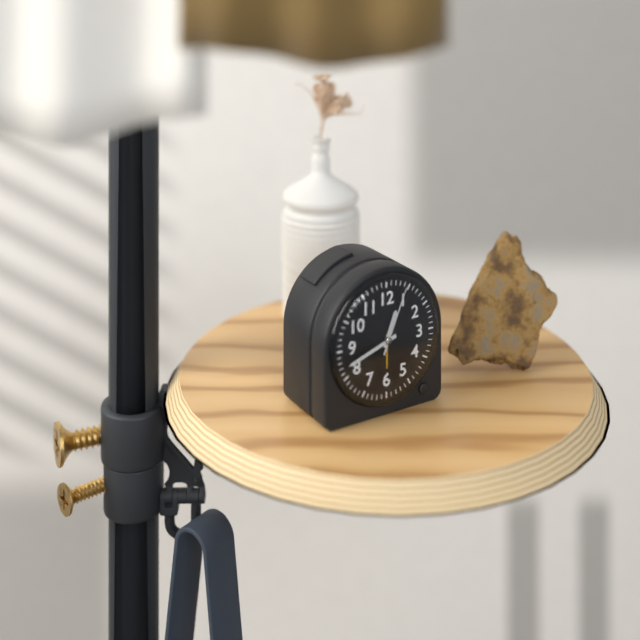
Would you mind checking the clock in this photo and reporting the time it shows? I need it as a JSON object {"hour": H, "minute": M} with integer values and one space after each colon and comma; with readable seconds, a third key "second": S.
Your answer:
{"hour": 12, "minute": 42, "second": 4}
